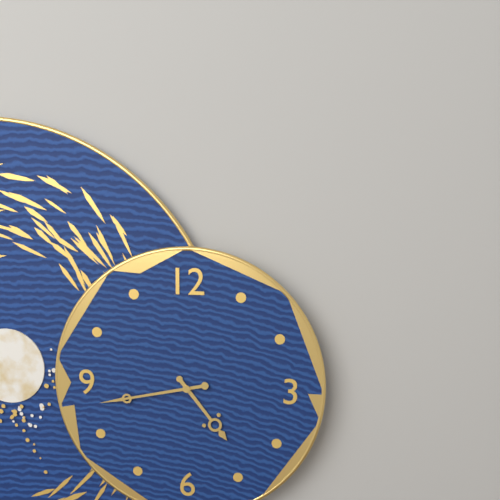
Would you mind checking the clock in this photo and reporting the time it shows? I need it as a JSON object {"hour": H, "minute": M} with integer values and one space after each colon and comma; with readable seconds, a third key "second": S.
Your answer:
{"hour": 4, "minute": 43}
